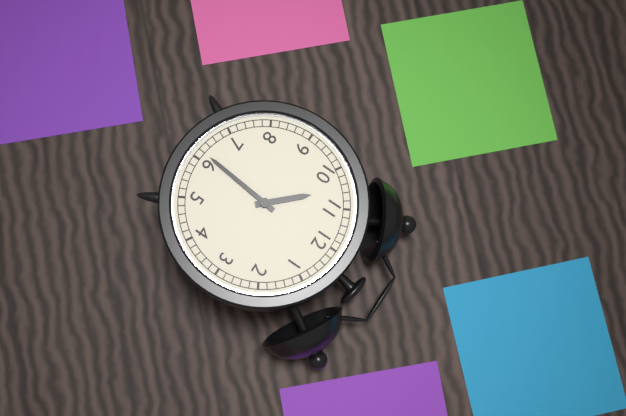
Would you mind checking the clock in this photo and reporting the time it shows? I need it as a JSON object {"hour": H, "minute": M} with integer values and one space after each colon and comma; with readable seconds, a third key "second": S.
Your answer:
{"hour": 10, "minute": 31}
